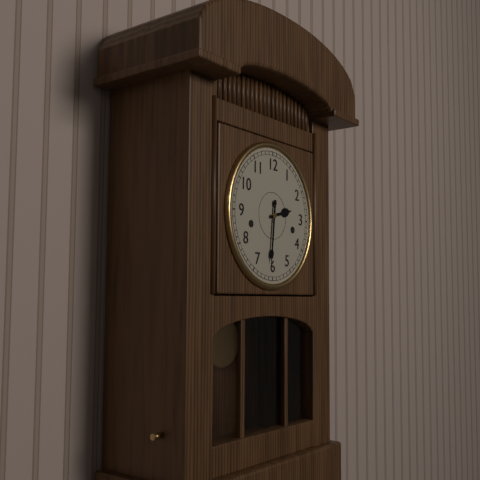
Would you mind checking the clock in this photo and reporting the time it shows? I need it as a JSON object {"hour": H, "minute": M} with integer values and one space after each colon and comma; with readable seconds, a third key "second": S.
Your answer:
{"hour": 2, "minute": 31}
